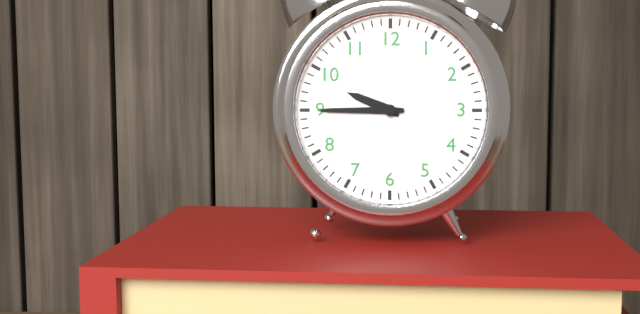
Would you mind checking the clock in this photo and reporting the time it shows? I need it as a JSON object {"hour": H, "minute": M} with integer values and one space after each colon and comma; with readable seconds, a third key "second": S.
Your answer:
{"hour": 9, "minute": 45}
